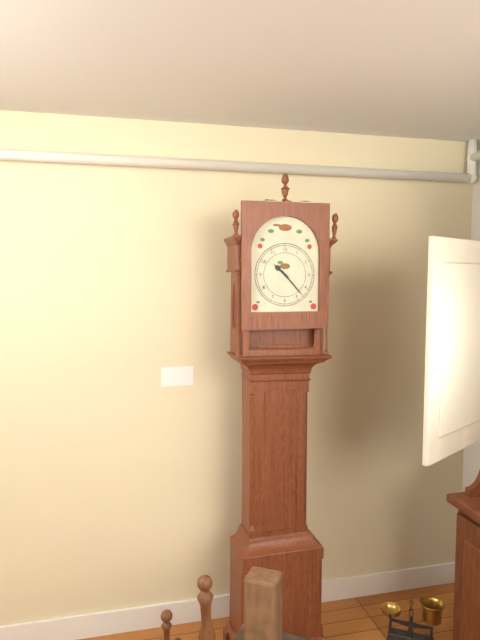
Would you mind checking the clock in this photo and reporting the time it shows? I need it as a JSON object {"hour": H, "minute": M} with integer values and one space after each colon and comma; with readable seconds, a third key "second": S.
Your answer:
{"hour": 10, "minute": 23}
